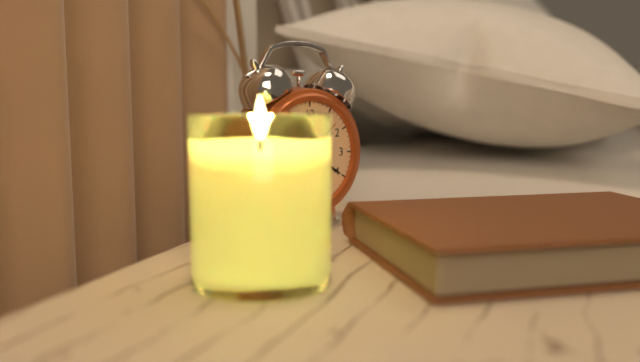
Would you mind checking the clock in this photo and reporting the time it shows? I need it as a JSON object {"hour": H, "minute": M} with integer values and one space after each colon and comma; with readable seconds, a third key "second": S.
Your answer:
{"hour": 5, "minute": 20, "second": 57}
